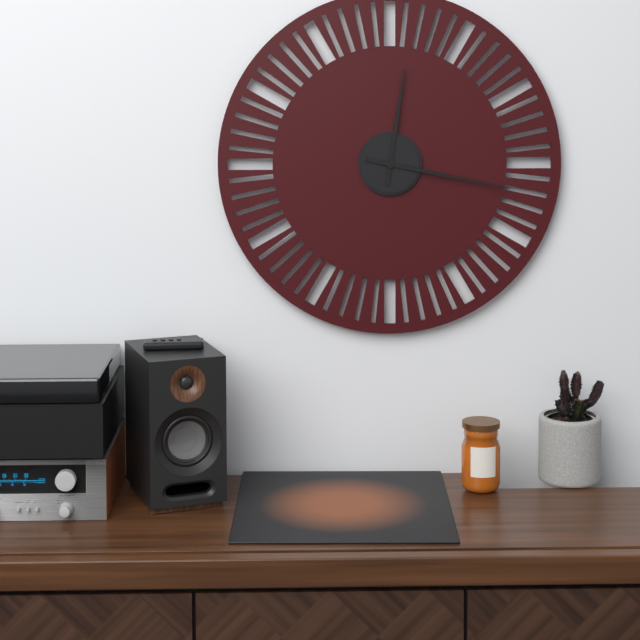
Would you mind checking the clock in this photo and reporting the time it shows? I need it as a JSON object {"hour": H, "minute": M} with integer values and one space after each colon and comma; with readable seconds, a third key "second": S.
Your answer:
{"hour": 12, "minute": 17}
